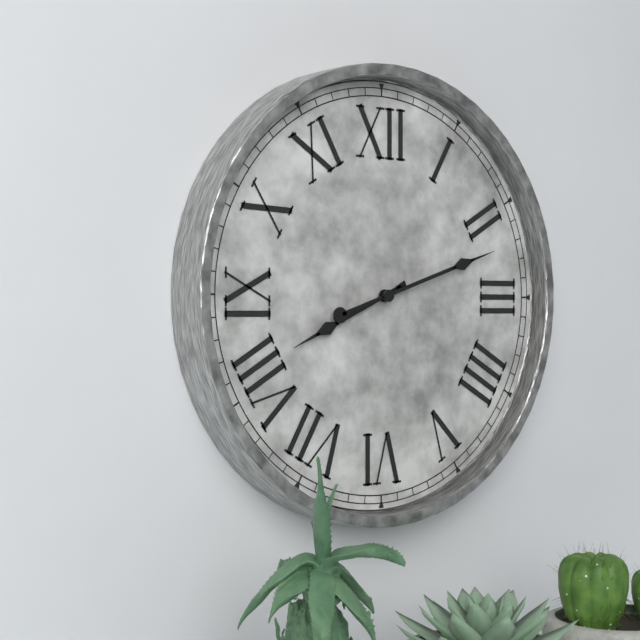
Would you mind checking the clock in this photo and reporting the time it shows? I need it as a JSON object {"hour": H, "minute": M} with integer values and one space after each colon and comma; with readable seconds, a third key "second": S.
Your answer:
{"hour": 8, "minute": 12}
